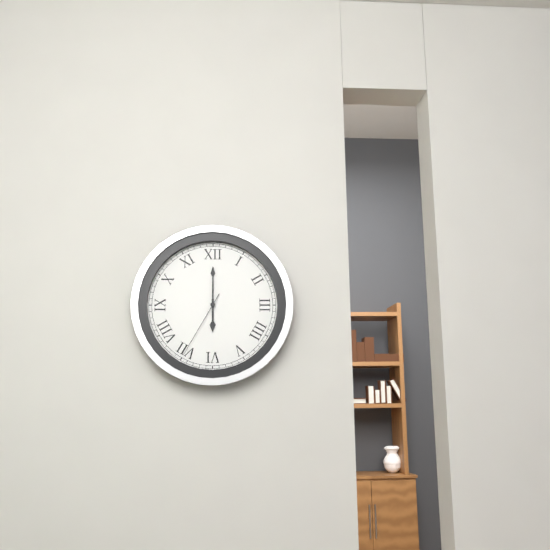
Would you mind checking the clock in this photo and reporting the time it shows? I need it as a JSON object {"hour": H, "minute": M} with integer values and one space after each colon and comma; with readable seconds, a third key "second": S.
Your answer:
{"hour": 6, "minute": 0, "second": 35}
